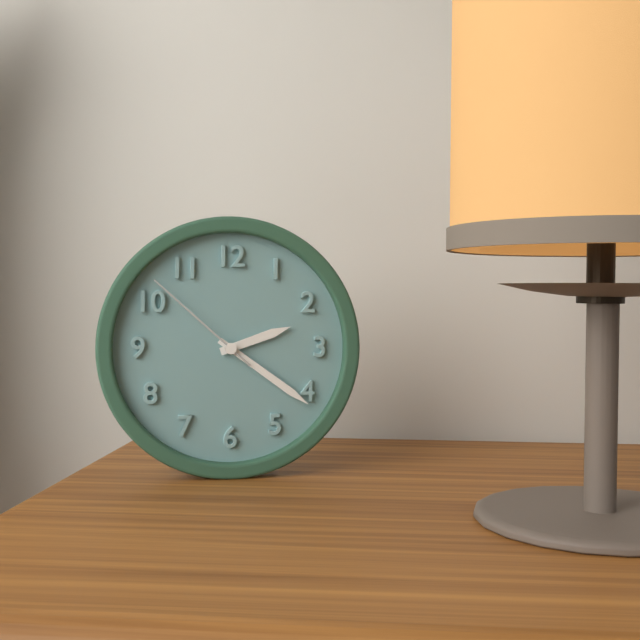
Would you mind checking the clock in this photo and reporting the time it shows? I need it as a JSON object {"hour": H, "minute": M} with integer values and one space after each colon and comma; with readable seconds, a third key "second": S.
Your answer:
{"hour": 2, "minute": 21, "second": 52}
